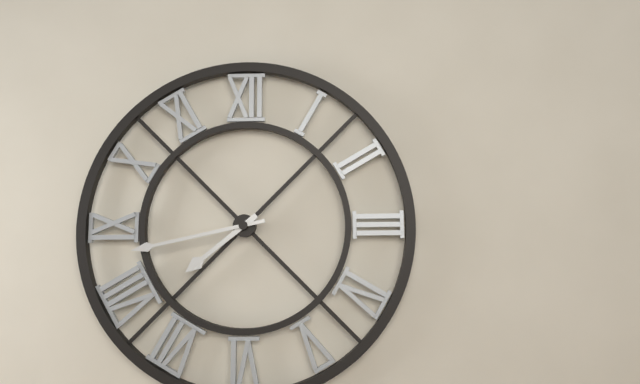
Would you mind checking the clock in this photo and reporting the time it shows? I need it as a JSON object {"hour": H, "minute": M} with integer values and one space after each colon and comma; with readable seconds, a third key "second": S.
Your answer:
{"hour": 7, "minute": 43}
